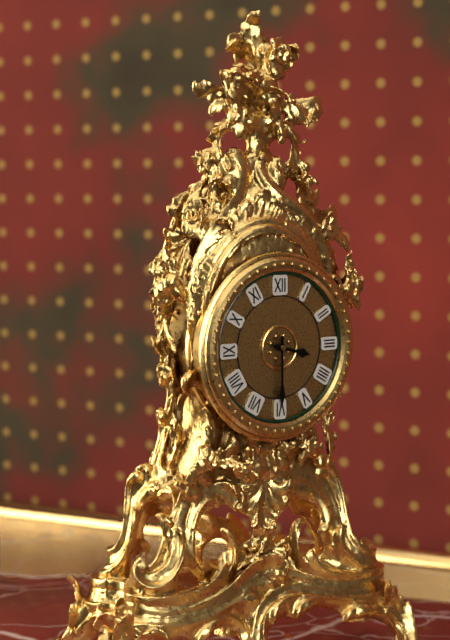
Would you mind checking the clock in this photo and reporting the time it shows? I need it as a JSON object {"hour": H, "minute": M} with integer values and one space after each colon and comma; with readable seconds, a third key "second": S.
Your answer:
{"hour": 3, "minute": 30}
